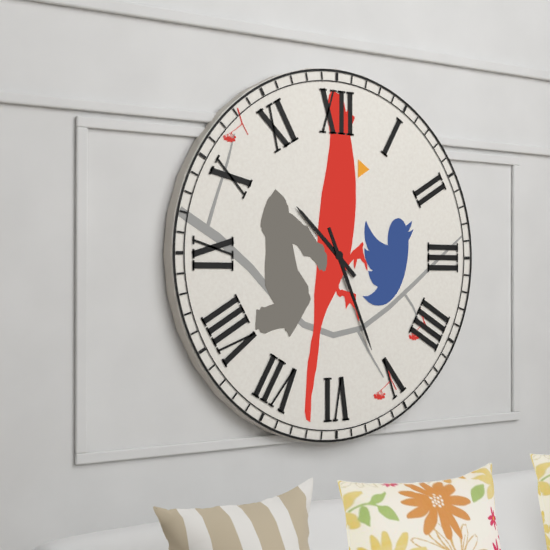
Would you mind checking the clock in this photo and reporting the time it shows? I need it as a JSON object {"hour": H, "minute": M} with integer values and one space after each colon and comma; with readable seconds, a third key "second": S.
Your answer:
{"hour": 10, "minute": 26}
